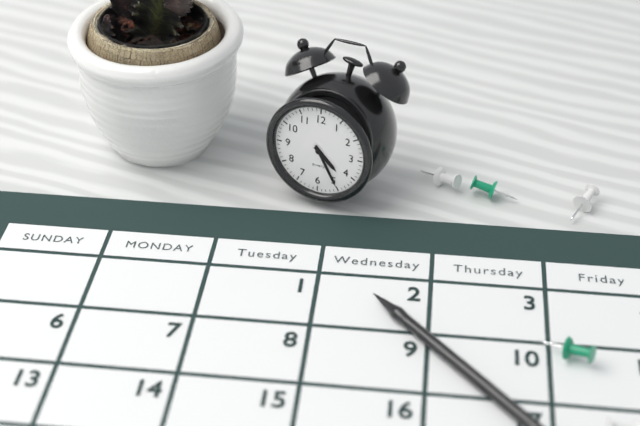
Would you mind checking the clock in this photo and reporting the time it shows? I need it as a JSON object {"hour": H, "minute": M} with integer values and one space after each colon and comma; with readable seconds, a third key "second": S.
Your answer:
{"hour": 4, "minute": 25}
